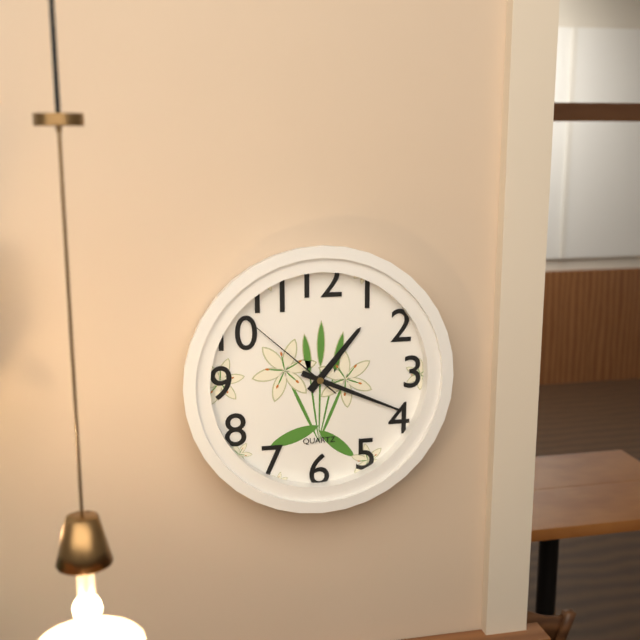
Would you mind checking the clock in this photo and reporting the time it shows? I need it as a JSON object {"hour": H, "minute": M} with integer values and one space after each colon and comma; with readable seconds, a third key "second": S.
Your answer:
{"hour": 1, "minute": 19, "second": 52}
